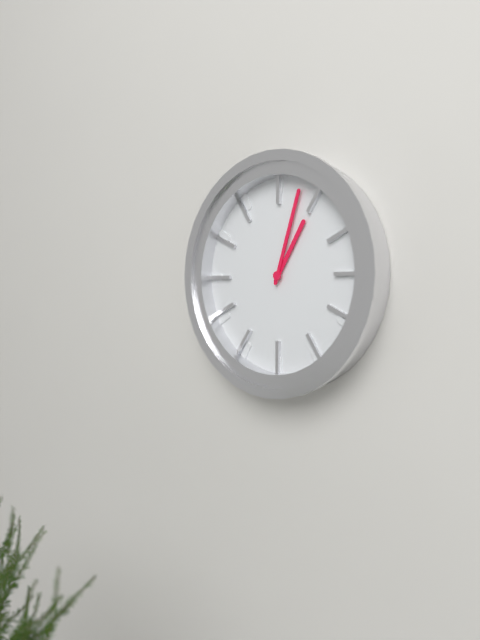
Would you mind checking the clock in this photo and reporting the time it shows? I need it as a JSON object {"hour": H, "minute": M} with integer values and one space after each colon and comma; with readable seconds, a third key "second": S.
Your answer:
{"hour": 1, "minute": 3}
